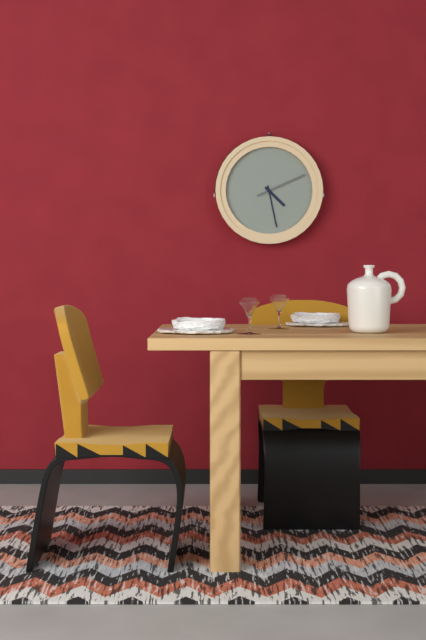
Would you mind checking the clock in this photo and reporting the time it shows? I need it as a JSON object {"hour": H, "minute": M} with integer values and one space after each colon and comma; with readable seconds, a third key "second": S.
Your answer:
{"hour": 4, "minute": 28}
